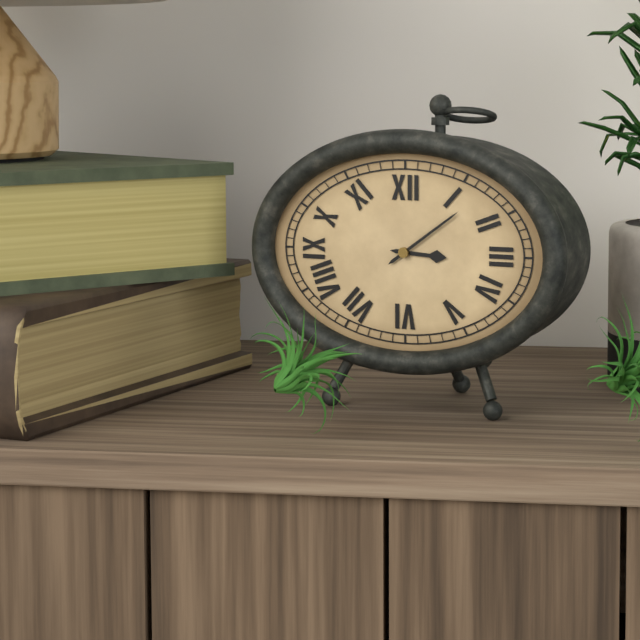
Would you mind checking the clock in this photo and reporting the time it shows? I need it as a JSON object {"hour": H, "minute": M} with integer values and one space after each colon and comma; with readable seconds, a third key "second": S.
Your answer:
{"hour": 3, "minute": 9}
